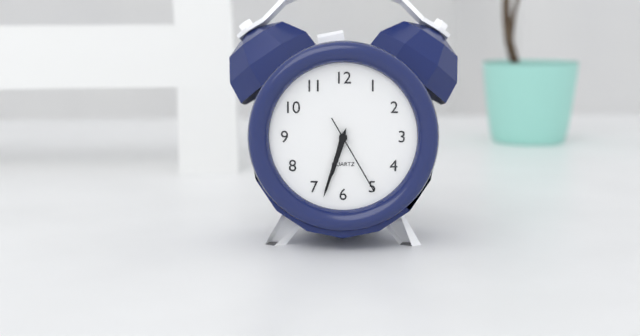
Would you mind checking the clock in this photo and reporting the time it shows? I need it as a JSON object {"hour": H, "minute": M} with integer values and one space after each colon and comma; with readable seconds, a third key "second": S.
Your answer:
{"hour": 6, "minute": 33, "second": 25}
